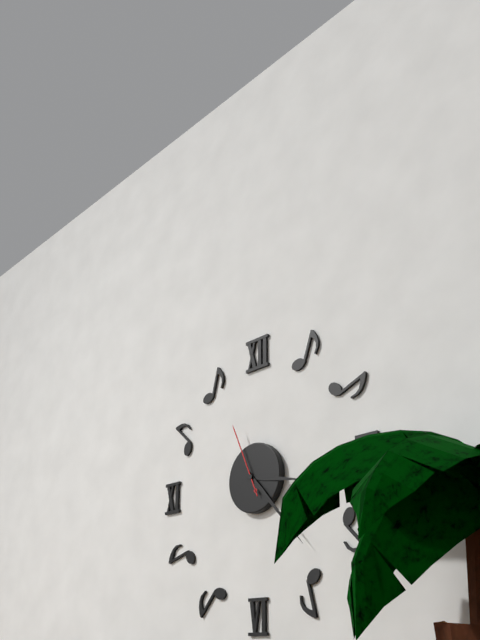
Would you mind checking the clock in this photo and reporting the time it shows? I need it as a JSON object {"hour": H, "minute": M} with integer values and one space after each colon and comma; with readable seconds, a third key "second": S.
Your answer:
{"hour": 3, "minute": 23, "second": 56}
